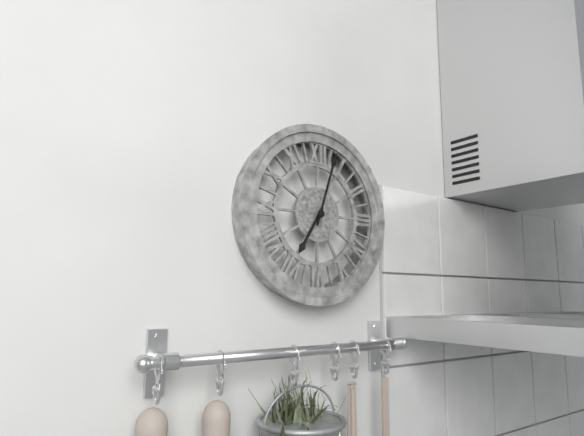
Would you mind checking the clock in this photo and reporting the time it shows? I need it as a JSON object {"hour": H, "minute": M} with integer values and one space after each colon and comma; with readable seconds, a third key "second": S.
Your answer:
{"hour": 7, "minute": 3}
